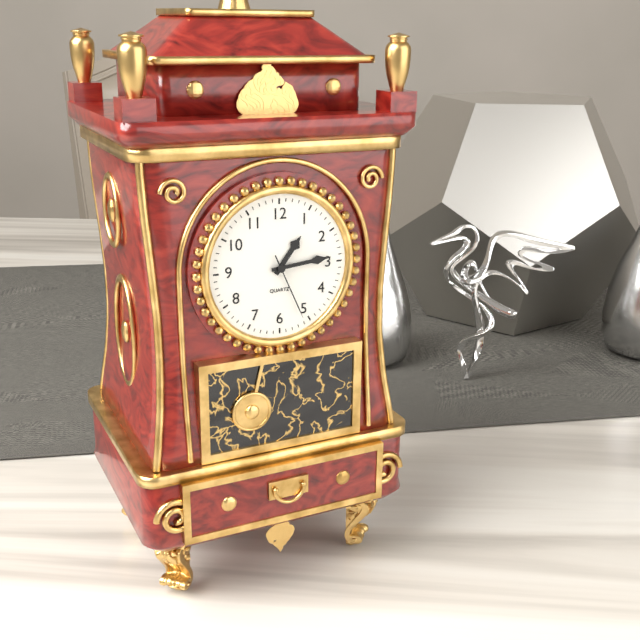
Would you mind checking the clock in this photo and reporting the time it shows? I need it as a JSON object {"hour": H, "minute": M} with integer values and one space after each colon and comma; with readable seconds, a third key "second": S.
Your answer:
{"hour": 1, "minute": 14, "second": 26}
